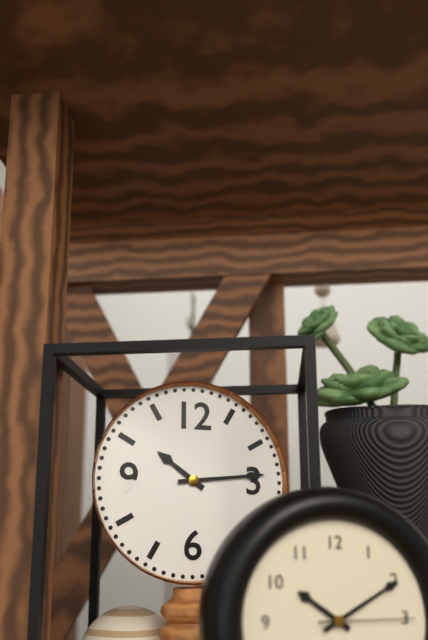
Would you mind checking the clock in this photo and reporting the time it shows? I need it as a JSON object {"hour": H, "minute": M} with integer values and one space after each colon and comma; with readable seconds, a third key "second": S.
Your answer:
{"hour": 10, "minute": 14}
